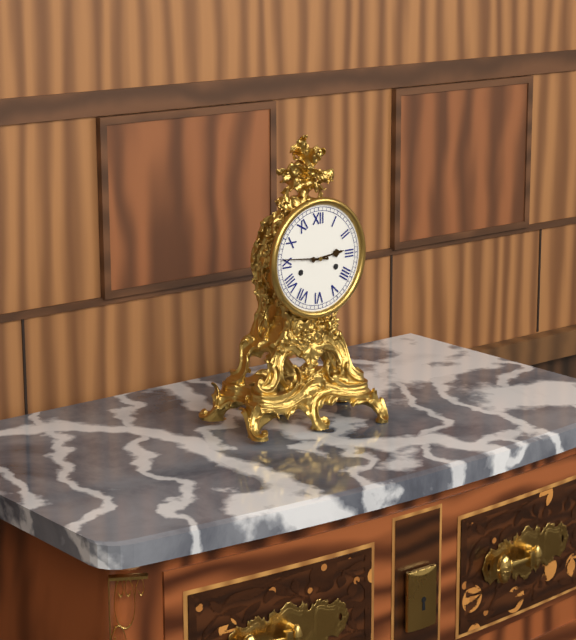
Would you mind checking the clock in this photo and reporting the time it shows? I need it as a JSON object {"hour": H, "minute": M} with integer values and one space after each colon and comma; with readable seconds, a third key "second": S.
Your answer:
{"hour": 2, "minute": 46}
